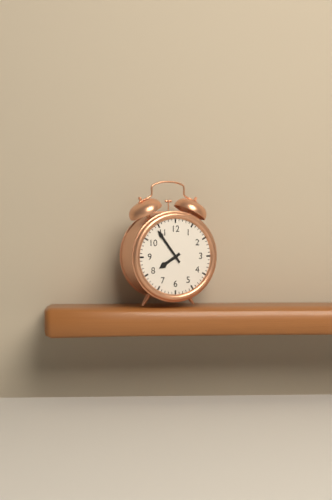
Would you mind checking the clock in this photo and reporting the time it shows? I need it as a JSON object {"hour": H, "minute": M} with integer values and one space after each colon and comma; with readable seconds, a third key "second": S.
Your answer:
{"hour": 7, "minute": 54}
